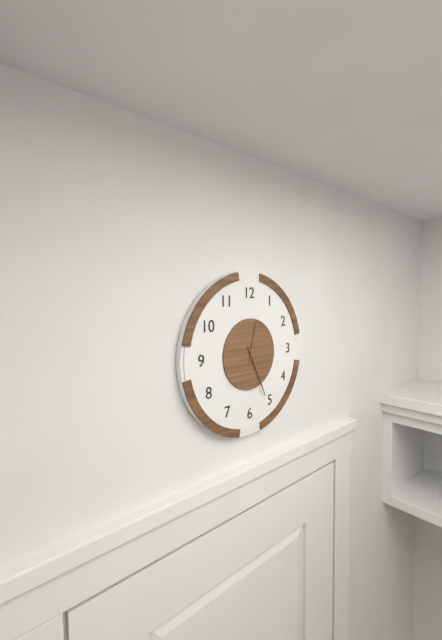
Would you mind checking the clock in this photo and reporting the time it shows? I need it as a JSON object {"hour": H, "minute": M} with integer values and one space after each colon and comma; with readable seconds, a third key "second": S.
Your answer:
{"hour": 12, "minute": 26}
